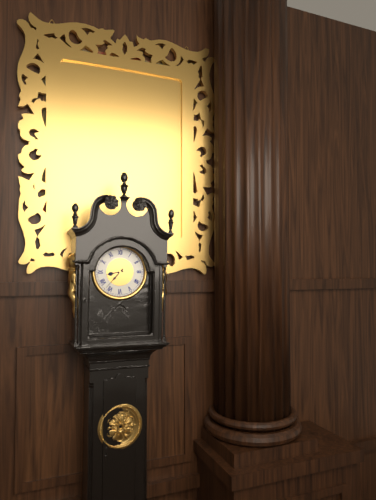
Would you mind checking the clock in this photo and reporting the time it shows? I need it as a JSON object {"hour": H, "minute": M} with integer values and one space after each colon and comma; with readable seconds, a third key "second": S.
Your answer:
{"hour": 8, "minute": 37}
